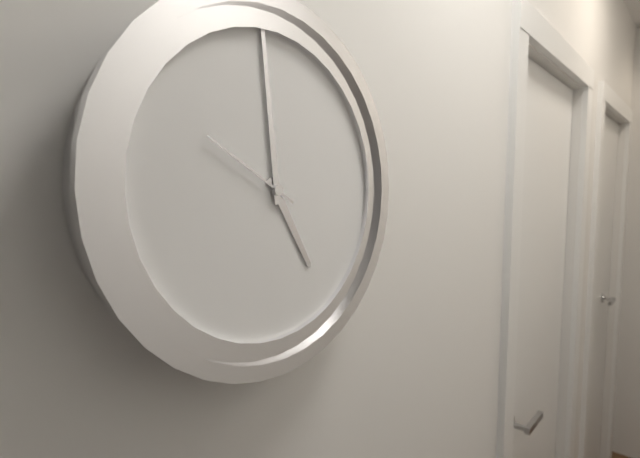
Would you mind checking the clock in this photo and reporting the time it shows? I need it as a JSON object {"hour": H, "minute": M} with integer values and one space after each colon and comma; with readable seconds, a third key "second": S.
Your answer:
{"hour": 4, "minute": 59, "second": 50}
